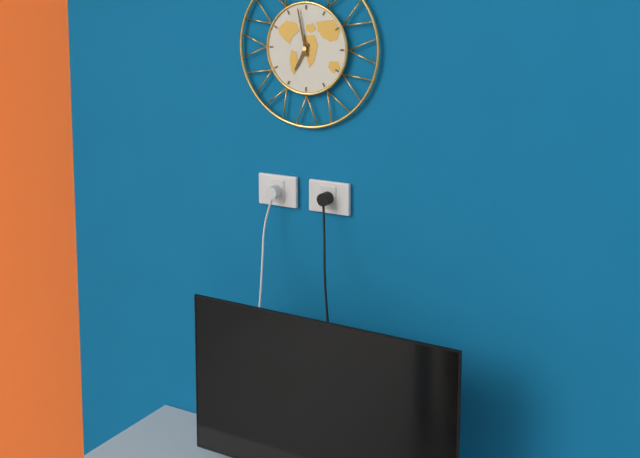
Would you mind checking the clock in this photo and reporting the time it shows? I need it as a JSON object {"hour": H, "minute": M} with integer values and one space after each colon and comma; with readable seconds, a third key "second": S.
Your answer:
{"hour": 6, "minute": 58}
